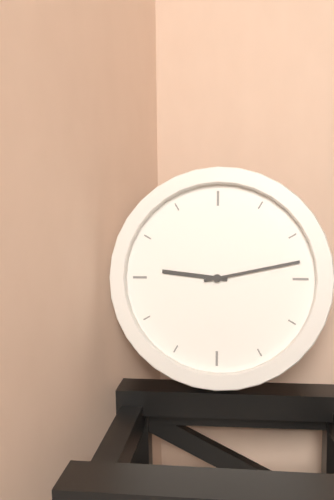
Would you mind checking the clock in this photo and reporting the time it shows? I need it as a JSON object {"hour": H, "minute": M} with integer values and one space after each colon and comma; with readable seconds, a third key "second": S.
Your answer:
{"hour": 9, "minute": 13}
